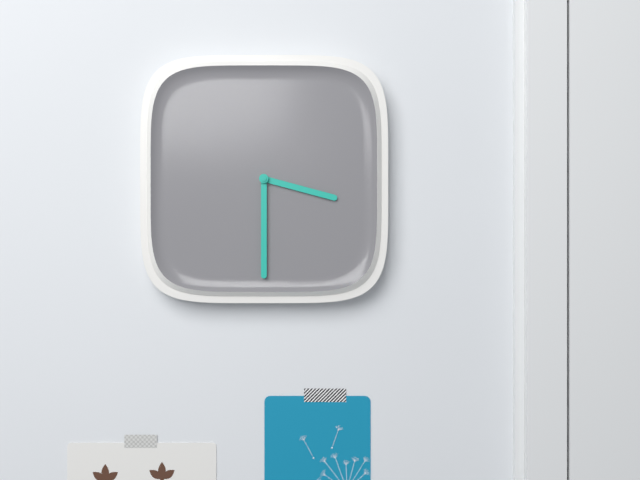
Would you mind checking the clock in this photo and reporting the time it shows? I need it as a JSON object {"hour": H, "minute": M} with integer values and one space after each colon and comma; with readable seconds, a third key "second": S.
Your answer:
{"hour": 3, "minute": 30}
